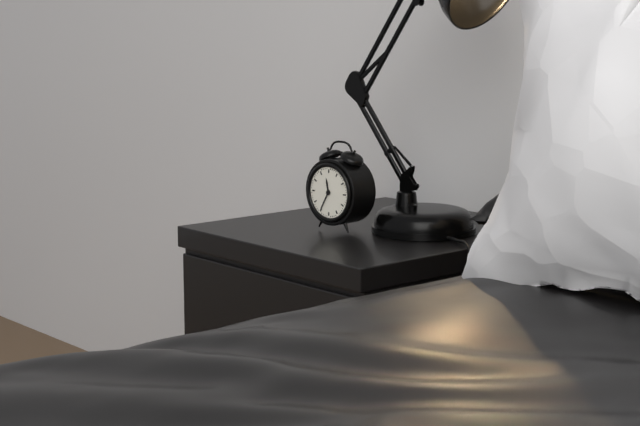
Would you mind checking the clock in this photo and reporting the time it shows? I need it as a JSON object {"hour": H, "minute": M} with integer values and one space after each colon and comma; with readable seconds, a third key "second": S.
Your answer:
{"hour": 11, "minute": 35}
